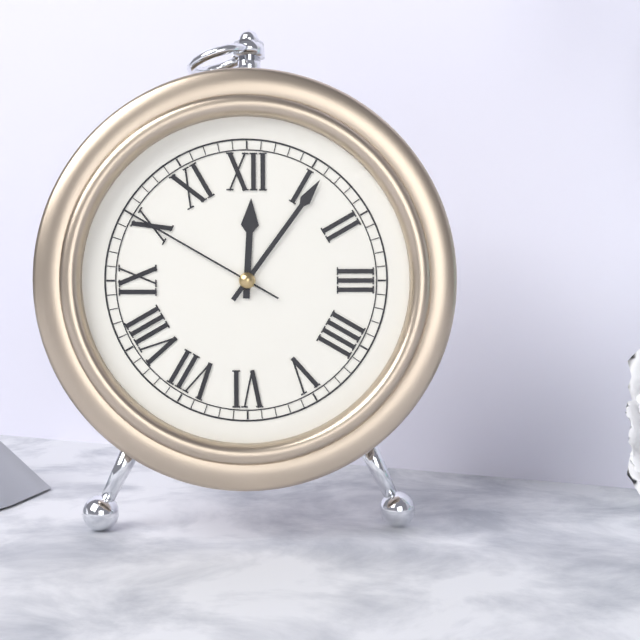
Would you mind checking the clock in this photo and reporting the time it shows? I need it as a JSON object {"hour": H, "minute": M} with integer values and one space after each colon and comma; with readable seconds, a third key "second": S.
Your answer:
{"hour": 12, "minute": 6, "second": 50}
